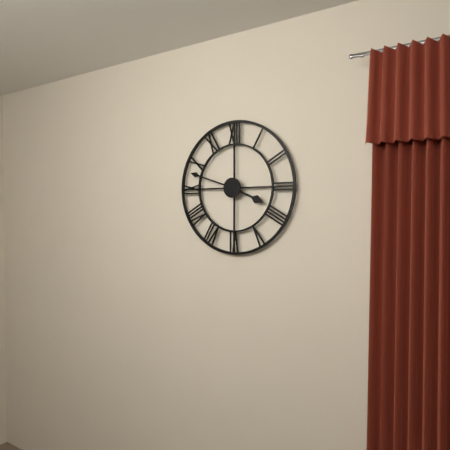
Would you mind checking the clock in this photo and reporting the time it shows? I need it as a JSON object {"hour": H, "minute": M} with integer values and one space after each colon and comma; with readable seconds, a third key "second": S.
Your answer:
{"hour": 3, "minute": 48}
